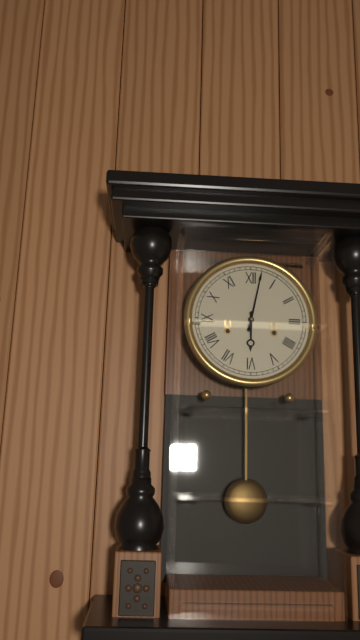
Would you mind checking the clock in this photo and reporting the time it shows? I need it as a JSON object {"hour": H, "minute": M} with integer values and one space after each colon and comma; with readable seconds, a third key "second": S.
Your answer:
{"hour": 6, "minute": 2}
